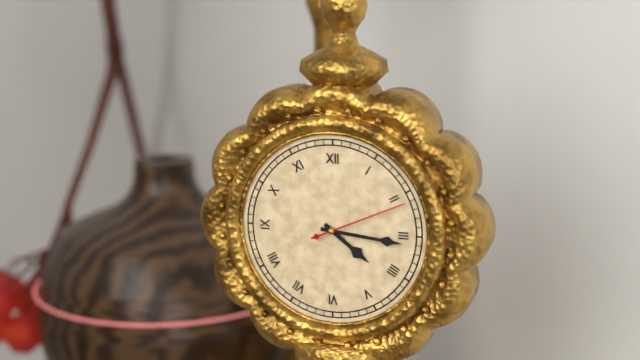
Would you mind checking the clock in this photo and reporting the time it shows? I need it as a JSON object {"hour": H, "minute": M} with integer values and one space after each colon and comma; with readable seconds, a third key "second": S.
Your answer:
{"hour": 4, "minute": 16, "second": 11}
